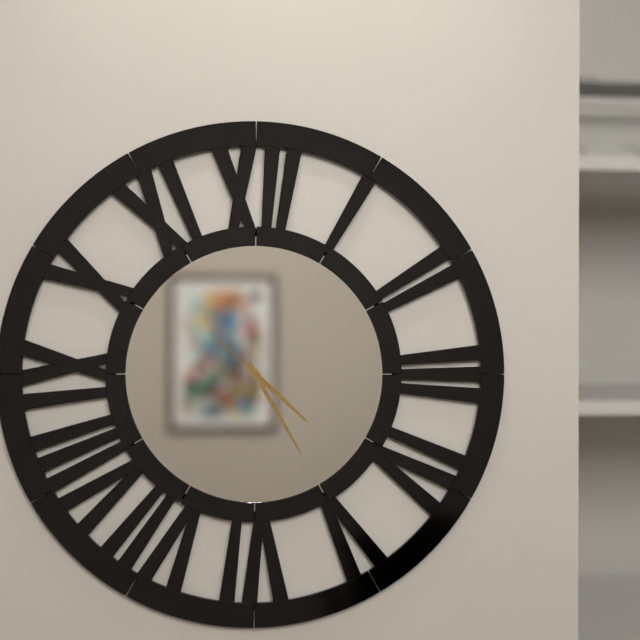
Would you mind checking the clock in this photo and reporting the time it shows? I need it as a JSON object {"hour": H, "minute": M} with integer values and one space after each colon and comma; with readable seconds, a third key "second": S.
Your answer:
{"hour": 4, "minute": 25, "second": 52}
